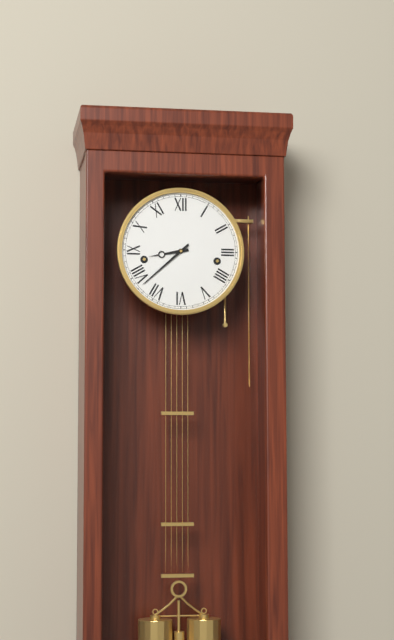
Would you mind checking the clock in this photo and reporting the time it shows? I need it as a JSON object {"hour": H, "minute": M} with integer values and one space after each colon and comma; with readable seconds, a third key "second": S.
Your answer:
{"hour": 8, "minute": 38}
